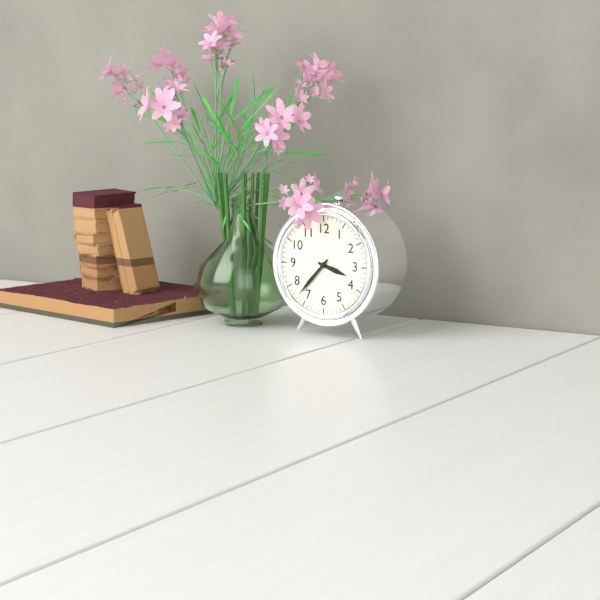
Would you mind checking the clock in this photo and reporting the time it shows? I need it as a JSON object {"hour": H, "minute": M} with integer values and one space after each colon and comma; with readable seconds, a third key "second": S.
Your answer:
{"hour": 3, "minute": 37}
